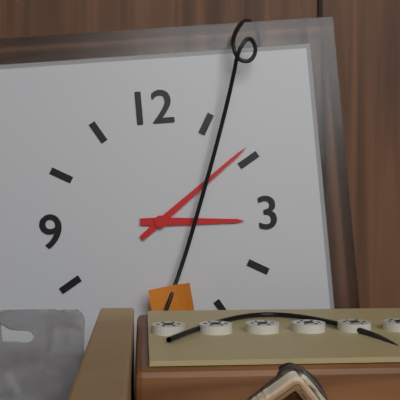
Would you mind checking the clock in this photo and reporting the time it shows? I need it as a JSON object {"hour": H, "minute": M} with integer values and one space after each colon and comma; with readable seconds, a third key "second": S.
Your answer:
{"hour": 3, "minute": 9}
